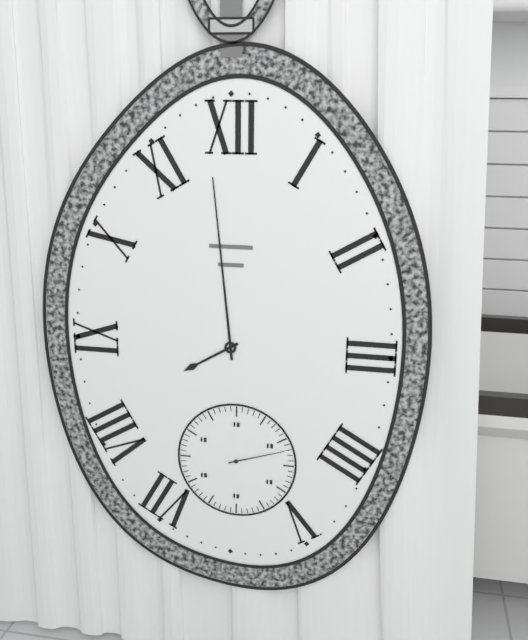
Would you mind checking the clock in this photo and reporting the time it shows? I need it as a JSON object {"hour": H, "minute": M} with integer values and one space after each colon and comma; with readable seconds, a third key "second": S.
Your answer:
{"hour": 7, "minute": 59, "second": 12}
